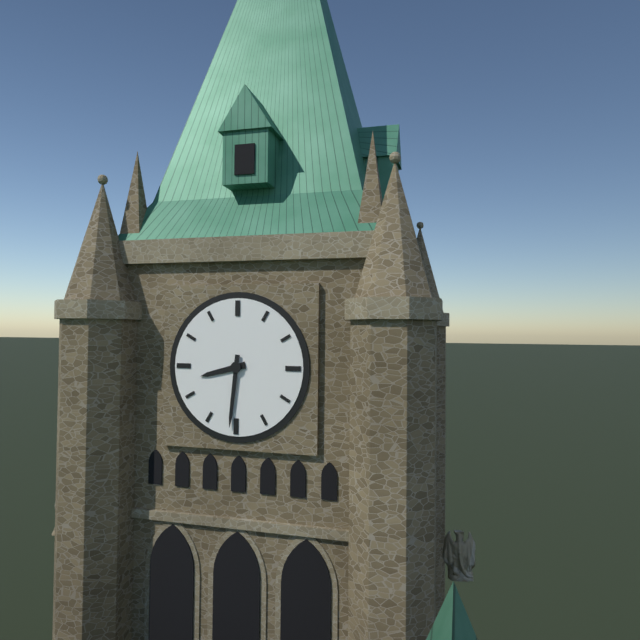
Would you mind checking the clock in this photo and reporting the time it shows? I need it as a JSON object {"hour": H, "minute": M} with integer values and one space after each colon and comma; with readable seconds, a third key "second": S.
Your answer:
{"hour": 8, "minute": 31}
